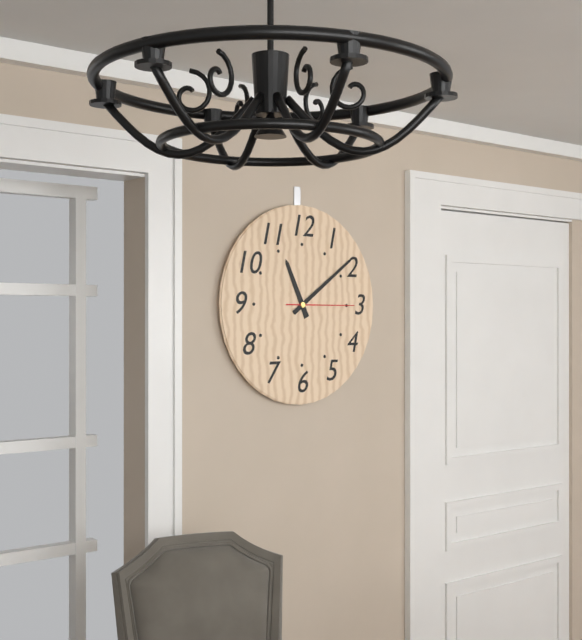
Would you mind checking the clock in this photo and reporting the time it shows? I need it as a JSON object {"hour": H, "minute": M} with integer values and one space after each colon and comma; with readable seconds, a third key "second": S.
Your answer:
{"hour": 11, "minute": 9, "second": 15}
